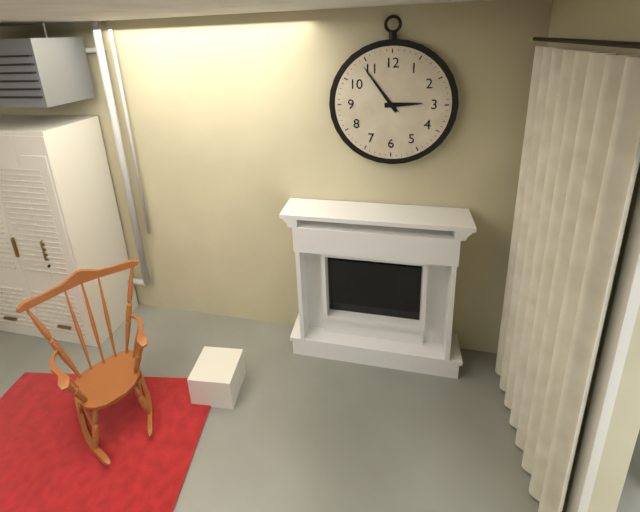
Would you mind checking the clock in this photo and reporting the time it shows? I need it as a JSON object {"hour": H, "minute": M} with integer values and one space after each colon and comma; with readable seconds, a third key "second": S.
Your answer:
{"hour": 2, "minute": 54}
